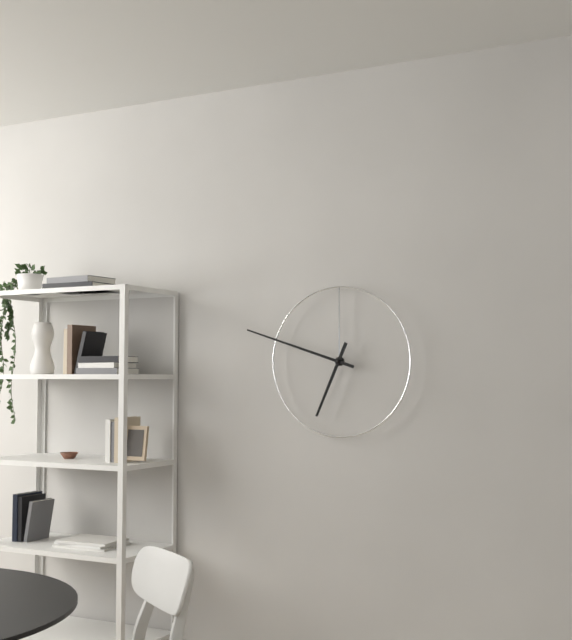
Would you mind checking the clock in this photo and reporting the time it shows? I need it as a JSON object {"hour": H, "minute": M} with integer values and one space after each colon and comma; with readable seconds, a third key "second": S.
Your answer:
{"hour": 6, "minute": 48}
